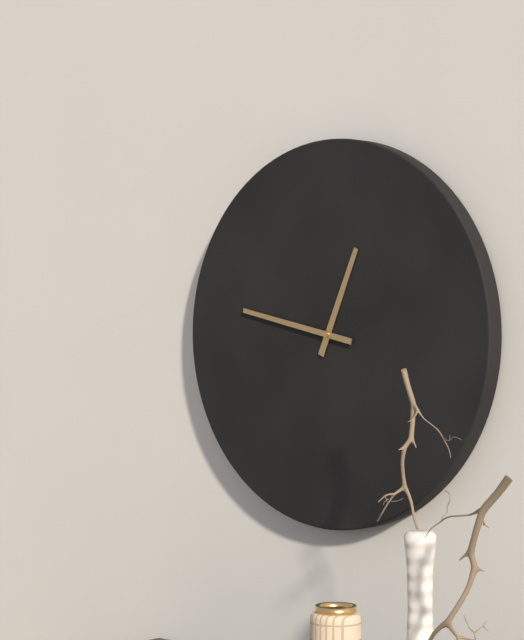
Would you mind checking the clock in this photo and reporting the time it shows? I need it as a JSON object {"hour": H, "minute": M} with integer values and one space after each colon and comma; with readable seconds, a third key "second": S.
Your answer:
{"hour": 12, "minute": 47}
